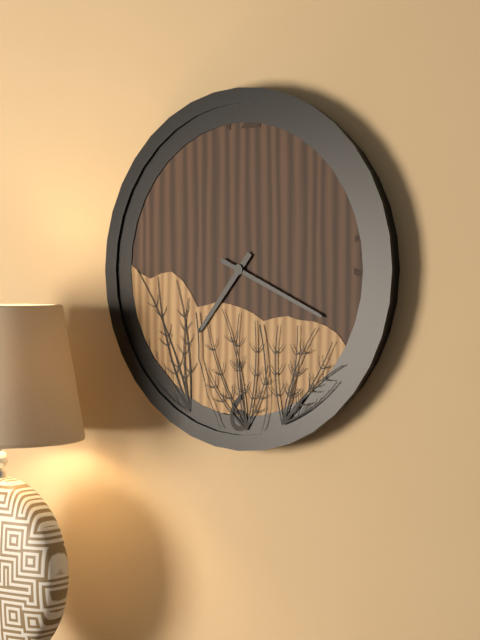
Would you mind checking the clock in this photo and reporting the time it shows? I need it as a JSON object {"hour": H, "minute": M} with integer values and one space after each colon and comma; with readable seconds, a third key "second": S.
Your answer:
{"hour": 7, "minute": 19}
